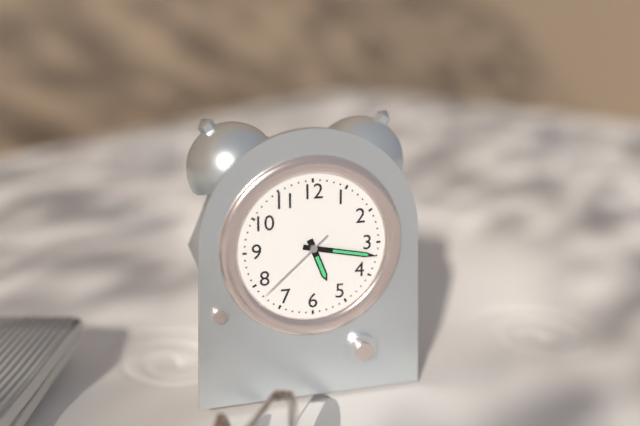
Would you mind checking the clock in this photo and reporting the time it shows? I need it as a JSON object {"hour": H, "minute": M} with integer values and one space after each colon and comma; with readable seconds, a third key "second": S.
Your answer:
{"hour": 5, "minute": 17, "second": 38}
